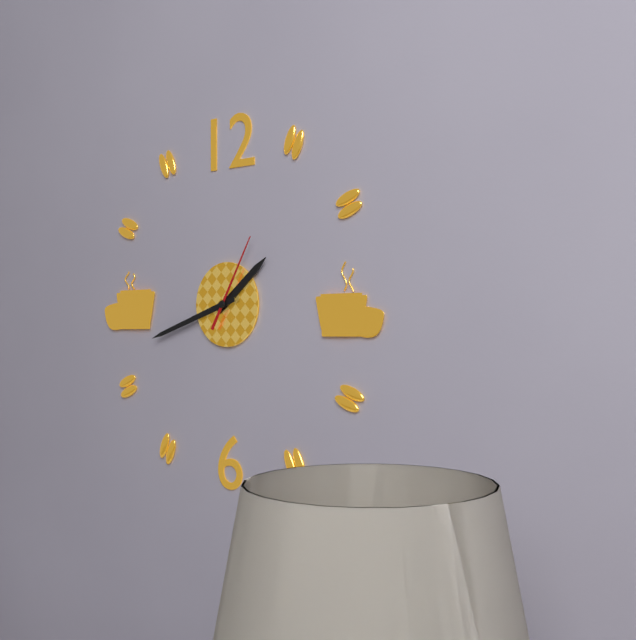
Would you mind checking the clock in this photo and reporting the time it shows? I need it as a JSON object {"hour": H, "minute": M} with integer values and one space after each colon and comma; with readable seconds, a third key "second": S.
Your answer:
{"hour": 1, "minute": 42, "second": 5}
